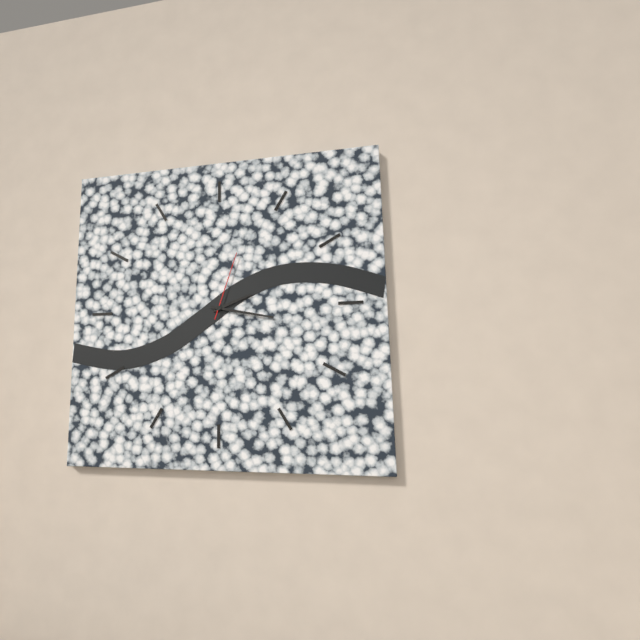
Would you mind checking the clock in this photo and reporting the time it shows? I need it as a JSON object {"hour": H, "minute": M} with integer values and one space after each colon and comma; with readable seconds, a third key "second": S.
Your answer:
{"hour": 2, "minute": 17, "second": 3}
